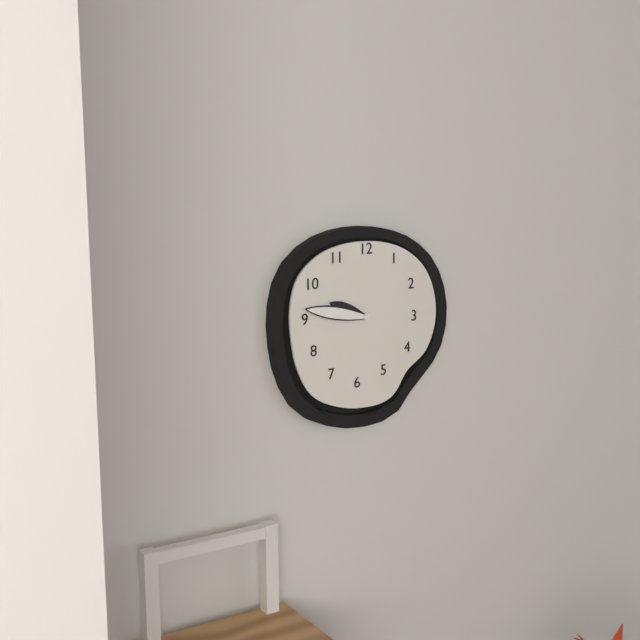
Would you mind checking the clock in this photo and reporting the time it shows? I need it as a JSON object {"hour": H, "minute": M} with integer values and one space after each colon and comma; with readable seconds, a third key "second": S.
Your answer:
{"hour": 9, "minute": 47}
